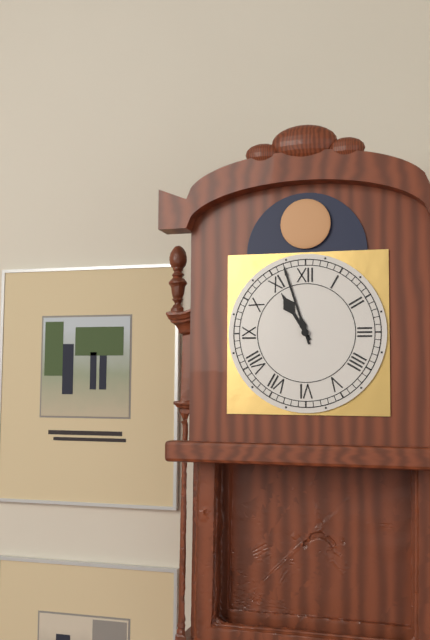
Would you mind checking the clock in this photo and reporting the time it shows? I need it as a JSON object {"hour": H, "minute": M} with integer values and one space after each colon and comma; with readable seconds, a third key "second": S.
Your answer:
{"hour": 10, "minute": 57}
